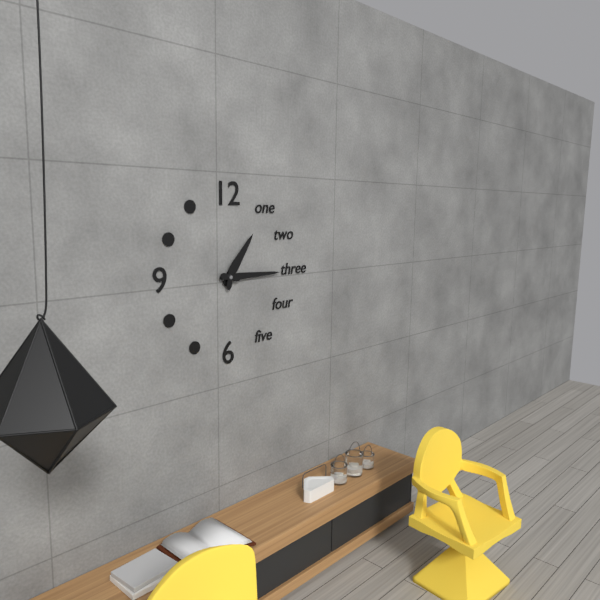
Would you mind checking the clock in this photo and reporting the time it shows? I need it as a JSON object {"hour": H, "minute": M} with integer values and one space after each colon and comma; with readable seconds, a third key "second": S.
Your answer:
{"hour": 1, "minute": 15}
